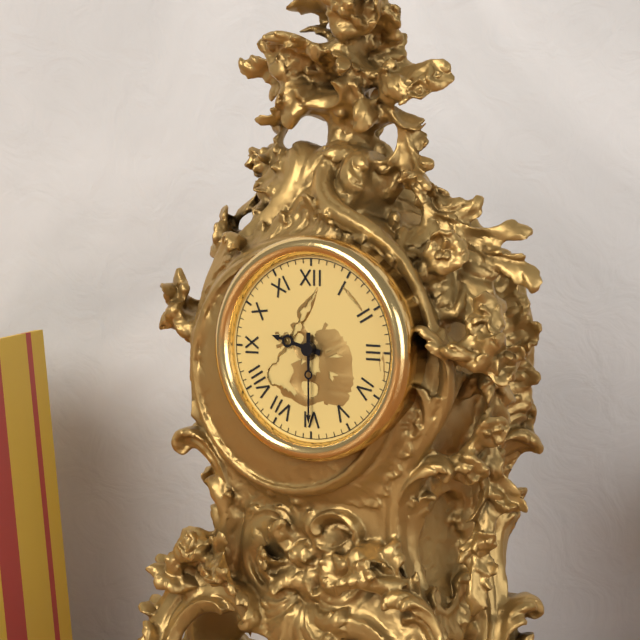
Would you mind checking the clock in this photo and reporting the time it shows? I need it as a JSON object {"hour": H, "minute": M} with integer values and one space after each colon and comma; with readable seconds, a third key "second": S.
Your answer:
{"hour": 9, "minute": 30}
